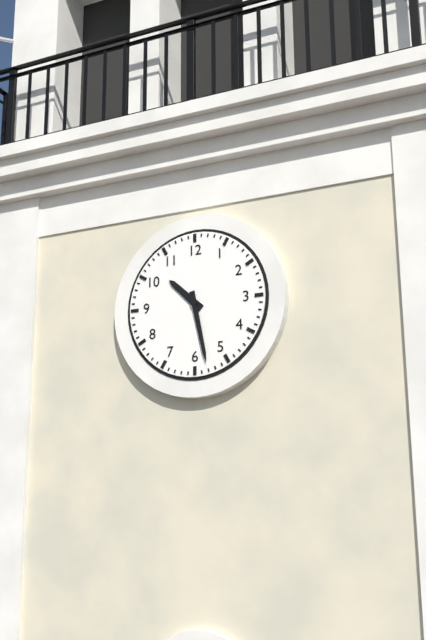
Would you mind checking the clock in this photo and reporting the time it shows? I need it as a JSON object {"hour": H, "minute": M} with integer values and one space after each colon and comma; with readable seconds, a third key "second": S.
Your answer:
{"hour": 10, "minute": 28}
